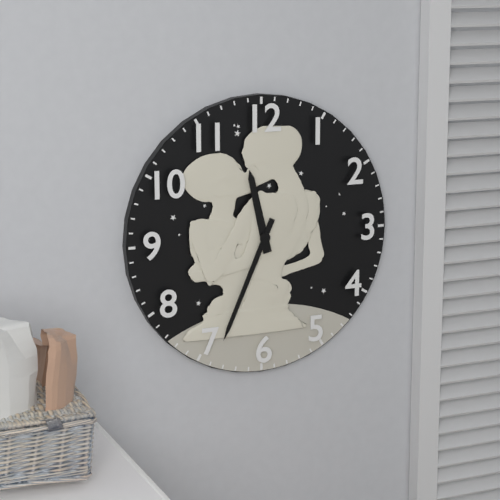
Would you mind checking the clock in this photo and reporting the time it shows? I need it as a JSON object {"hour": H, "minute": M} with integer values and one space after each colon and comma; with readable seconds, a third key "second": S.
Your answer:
{"hour": 11, "minute": 34}
